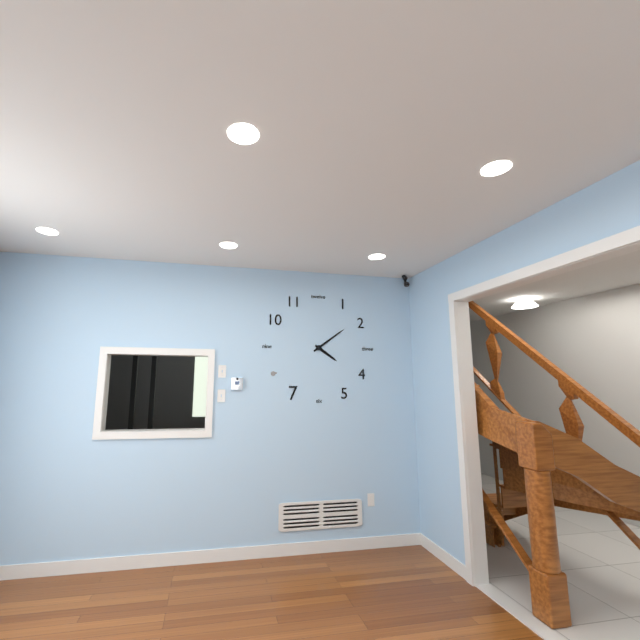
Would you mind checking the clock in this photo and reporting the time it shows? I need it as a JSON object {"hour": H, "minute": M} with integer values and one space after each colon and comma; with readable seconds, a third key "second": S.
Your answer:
{"hour": 4, "minute": 9}
